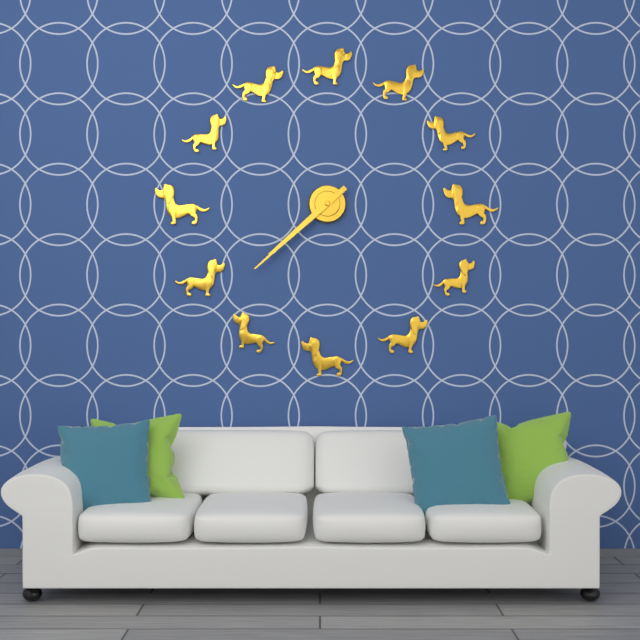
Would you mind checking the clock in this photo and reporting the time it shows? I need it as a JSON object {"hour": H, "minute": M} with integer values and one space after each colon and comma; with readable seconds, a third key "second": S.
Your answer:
{"hour": 7, "minute": 38}
